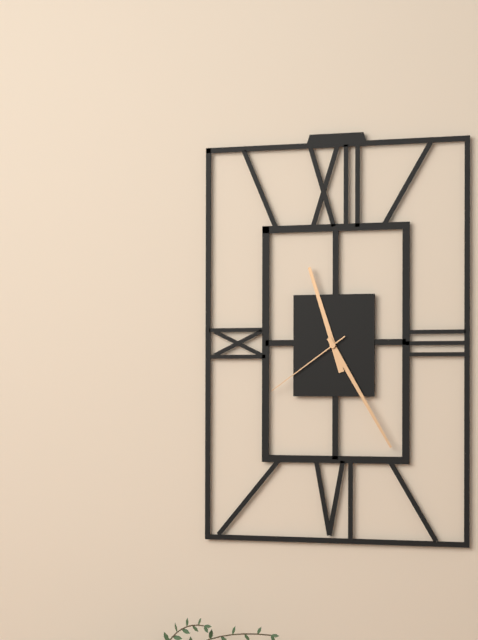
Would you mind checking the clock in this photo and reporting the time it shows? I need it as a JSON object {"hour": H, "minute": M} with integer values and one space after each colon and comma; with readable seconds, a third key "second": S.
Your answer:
{"hour": 11, "minute": 25, "second": 39}
